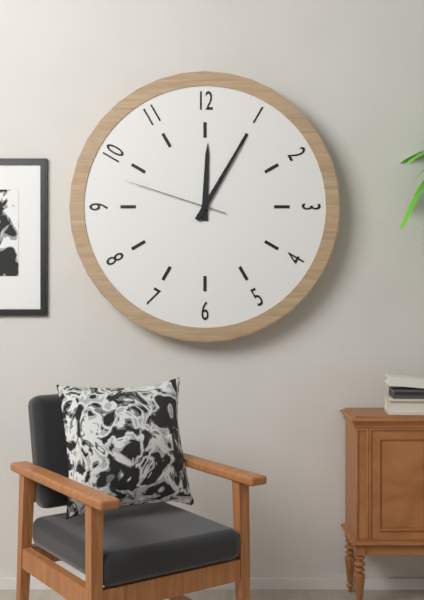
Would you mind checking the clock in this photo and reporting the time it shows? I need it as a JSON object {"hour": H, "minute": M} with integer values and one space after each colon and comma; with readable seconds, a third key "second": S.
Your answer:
{"hour": 12, "minute": 5, "second": 48}
